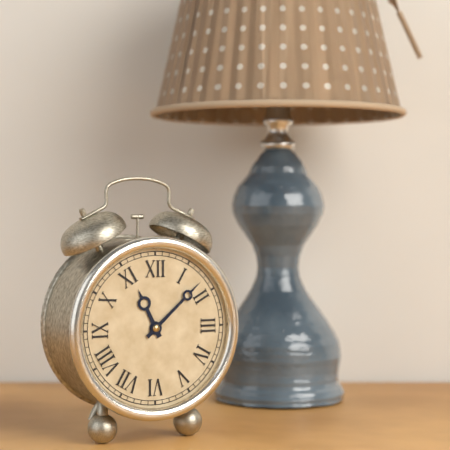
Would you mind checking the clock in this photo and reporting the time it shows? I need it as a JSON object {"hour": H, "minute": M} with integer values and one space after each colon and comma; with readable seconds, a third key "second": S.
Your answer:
{"hour": 11, "minute": 8}
